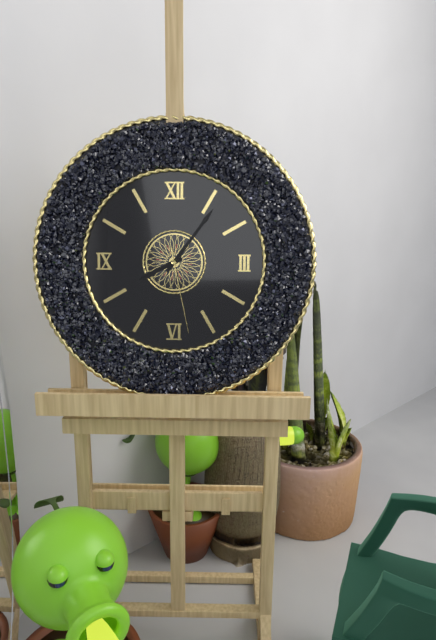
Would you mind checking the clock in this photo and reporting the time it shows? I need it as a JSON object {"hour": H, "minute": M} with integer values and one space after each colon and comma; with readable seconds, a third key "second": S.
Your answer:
{"hour": 8, "minute": 6, "second": 28}
